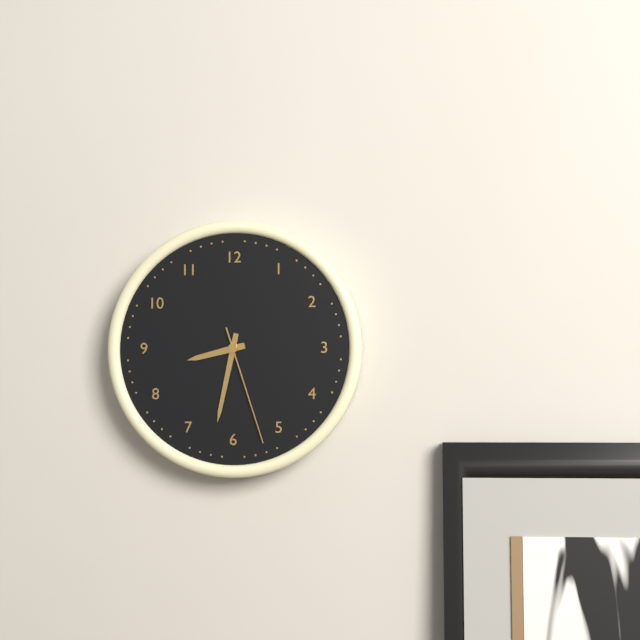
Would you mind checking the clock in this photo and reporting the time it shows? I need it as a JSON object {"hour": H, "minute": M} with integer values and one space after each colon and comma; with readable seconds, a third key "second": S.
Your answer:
{"hour": 8, "minute": 32, "second": 27}
